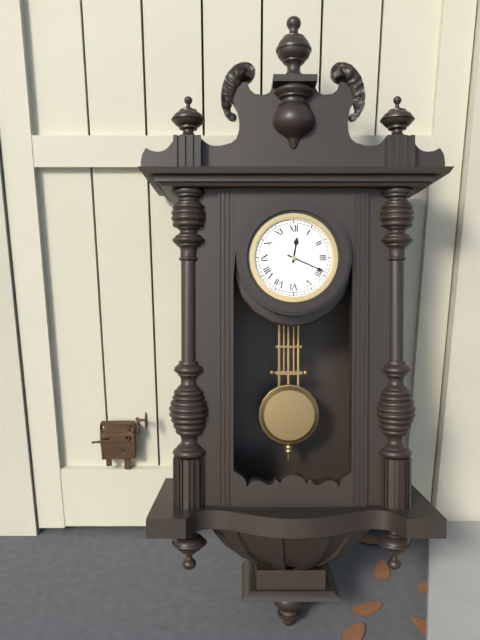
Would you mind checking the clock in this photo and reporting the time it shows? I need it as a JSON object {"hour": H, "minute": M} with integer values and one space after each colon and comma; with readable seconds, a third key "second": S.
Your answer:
{"hour": 12, "minute": 19}
